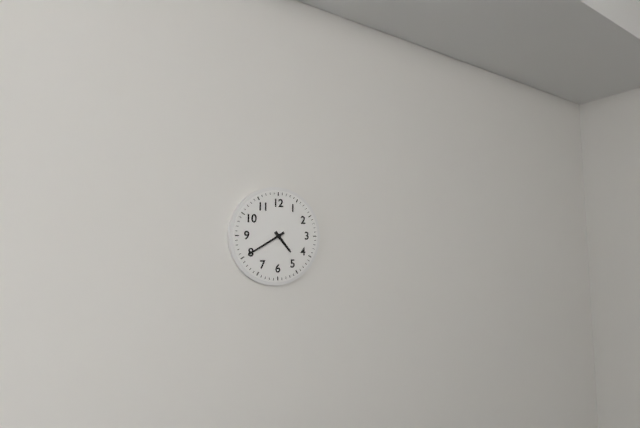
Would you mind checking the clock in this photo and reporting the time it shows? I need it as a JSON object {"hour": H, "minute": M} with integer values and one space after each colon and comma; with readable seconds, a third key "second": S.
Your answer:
{"hour": 4, "minute": 40}
